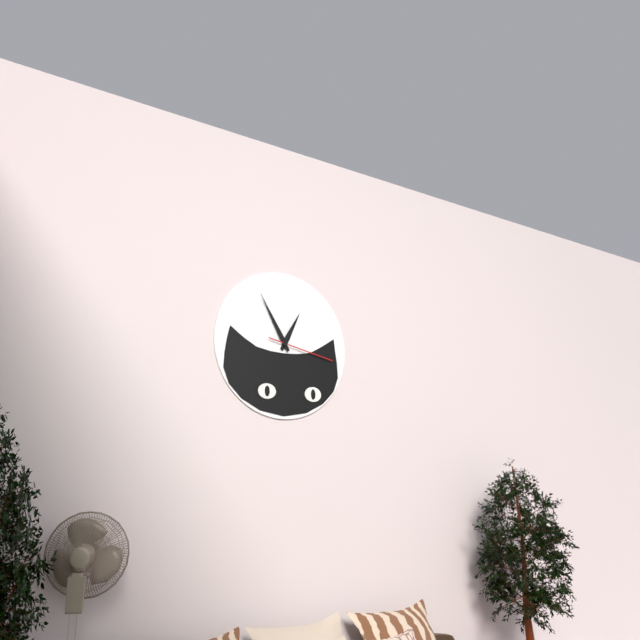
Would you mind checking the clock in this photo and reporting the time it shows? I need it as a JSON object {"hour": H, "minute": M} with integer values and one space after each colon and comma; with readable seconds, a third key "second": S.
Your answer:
{"hour": 12, "minute": 55, "second": 17}
